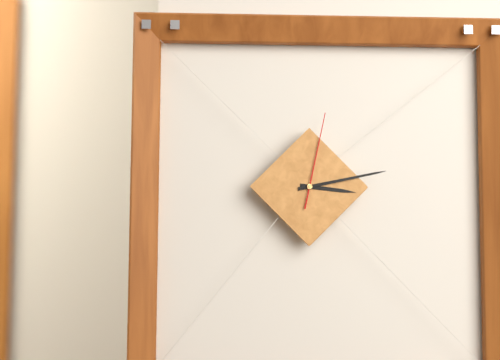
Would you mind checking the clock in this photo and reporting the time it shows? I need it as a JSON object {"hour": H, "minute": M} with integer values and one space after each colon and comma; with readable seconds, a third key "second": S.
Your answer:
{"hour": 3, "minute": 13, "second": 2}
